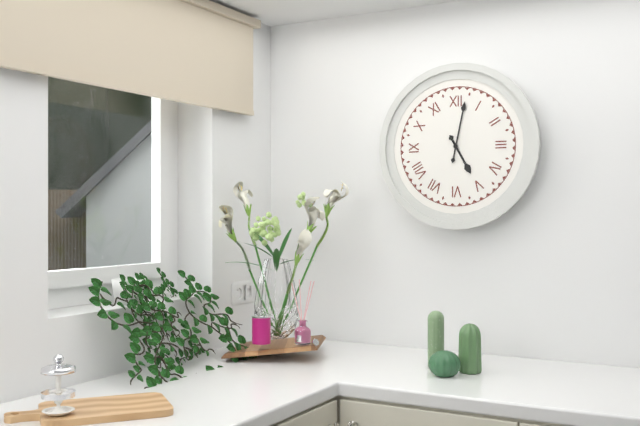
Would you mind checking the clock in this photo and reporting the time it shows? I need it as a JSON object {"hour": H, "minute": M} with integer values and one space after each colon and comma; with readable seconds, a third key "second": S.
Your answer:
{"hour": 5, "minute": 2}
